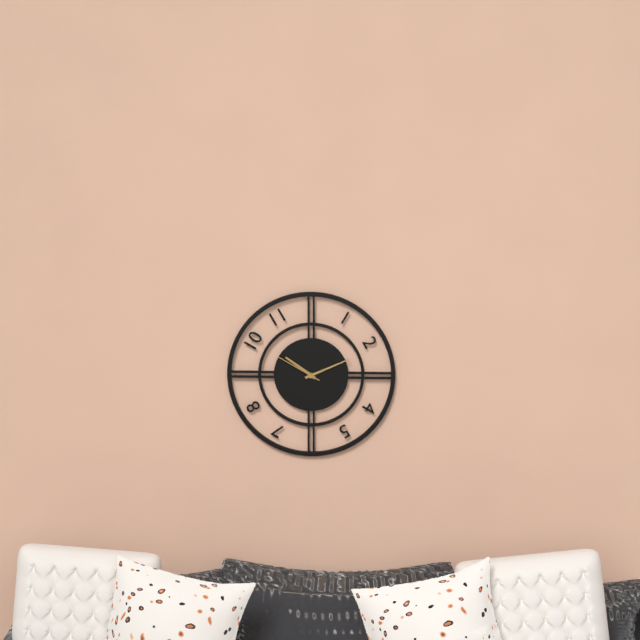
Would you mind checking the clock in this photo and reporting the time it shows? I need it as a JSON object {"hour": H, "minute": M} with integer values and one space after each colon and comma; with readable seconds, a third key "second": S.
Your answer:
{"hour": 10, "minute": 11}
